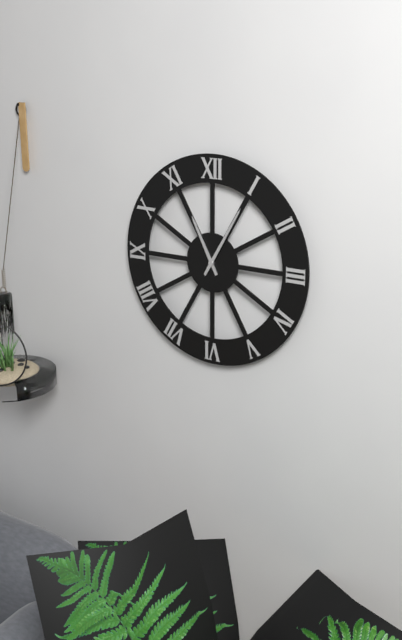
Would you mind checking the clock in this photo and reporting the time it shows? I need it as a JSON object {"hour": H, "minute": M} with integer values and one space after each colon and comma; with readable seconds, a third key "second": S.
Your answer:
{"hour": 11, "minute": 5}
